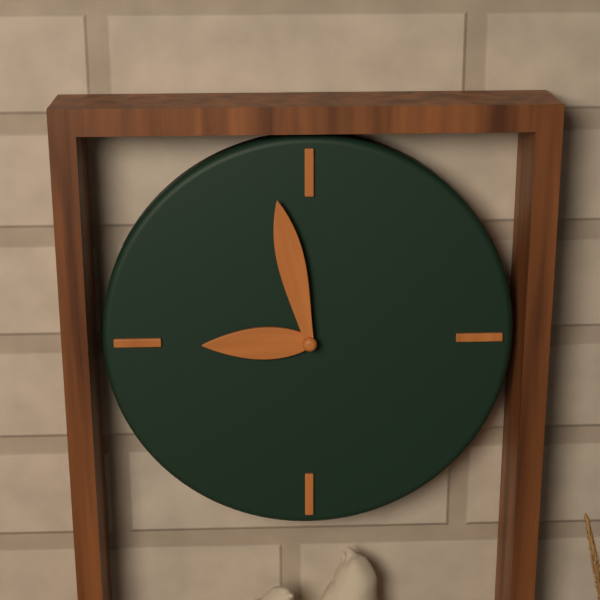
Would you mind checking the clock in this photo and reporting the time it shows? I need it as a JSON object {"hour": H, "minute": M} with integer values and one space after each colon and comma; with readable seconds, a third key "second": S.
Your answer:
{"hour": 8, "minute": 58}
